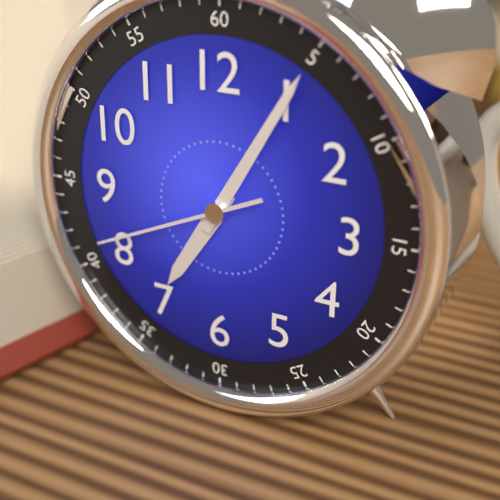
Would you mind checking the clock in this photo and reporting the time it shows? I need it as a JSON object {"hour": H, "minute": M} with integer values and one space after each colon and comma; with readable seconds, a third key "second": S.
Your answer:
{"hour": 7, "minute": 5, "second": 41}
